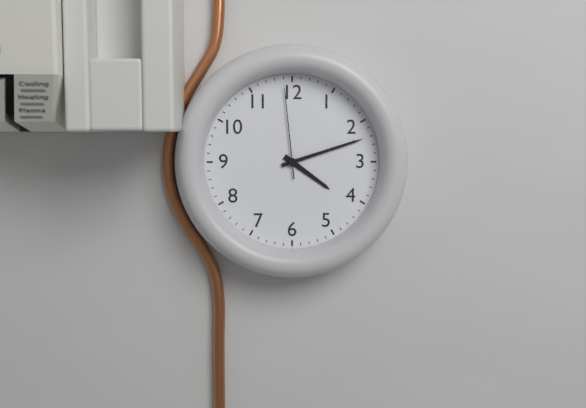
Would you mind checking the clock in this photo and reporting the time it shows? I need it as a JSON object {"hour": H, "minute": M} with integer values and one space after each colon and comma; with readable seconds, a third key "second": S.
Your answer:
{"hour": 4, "minute": 12, "second": 59}
